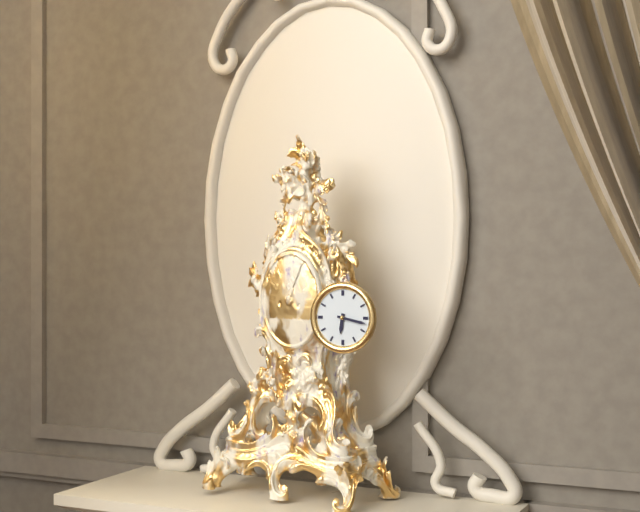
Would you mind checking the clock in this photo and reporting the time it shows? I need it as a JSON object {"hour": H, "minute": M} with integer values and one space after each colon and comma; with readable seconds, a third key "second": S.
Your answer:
{"hour": 6, "minute": 17}
